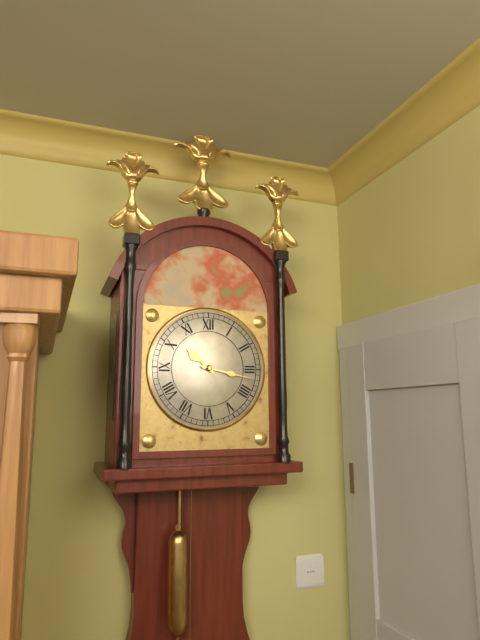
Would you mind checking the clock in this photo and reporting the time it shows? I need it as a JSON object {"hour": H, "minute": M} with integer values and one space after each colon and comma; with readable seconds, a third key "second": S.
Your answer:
{"hour": 10, "minute": 17}
